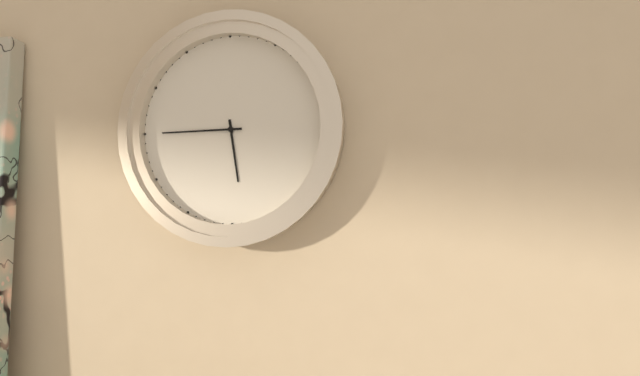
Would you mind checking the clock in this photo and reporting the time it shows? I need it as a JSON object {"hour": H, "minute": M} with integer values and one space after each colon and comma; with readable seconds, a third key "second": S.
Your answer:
{"hour": 5, "minute": 45}
